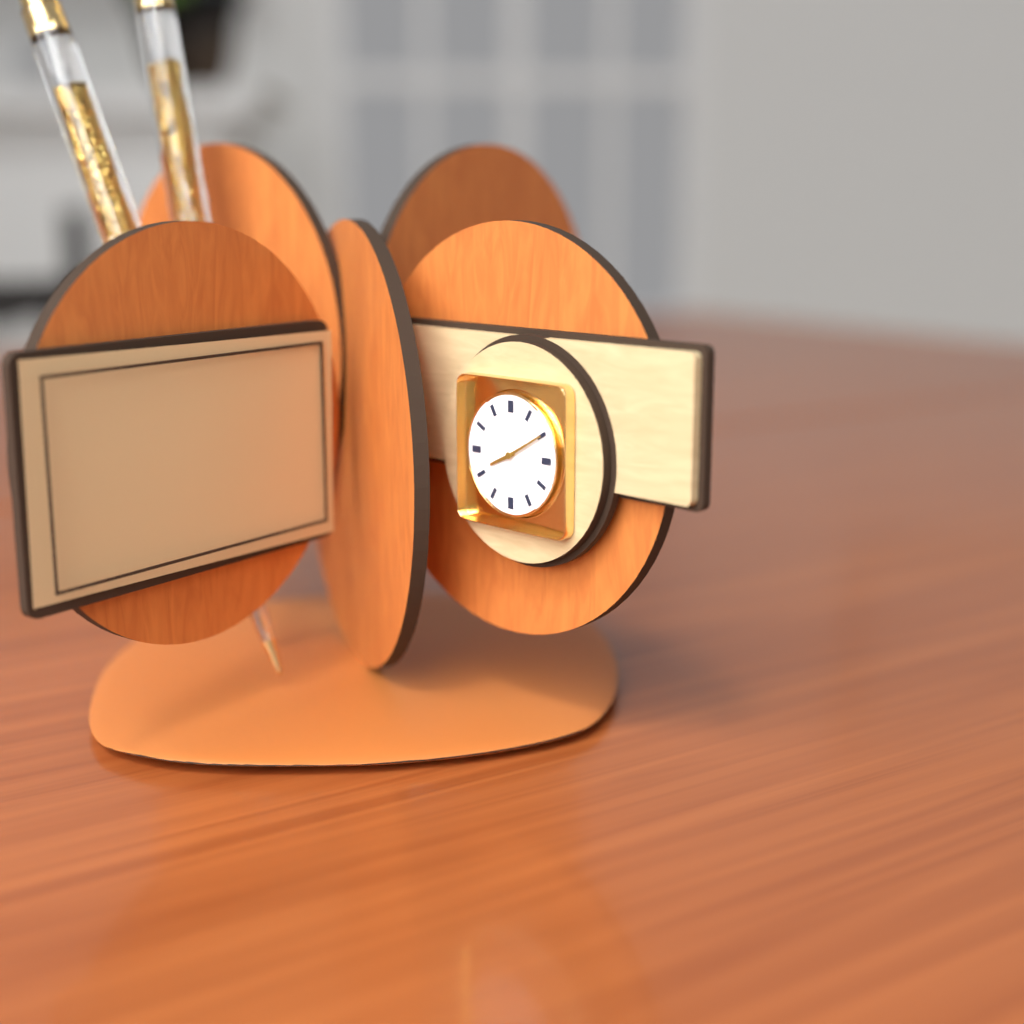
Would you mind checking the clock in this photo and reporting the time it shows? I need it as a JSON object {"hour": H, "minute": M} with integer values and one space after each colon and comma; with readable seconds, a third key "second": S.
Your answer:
{"hour": 8, "minute": 10}
